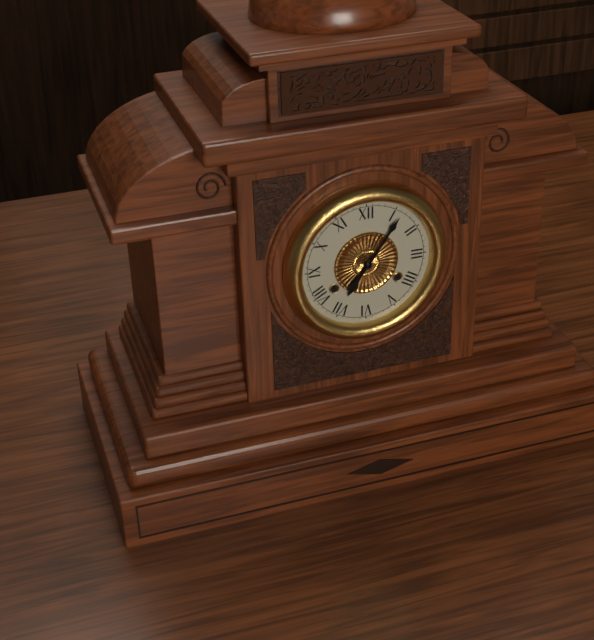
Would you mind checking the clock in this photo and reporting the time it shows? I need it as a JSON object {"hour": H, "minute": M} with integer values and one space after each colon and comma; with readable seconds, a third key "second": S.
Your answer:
{"hour": 7, "minute": 6}
